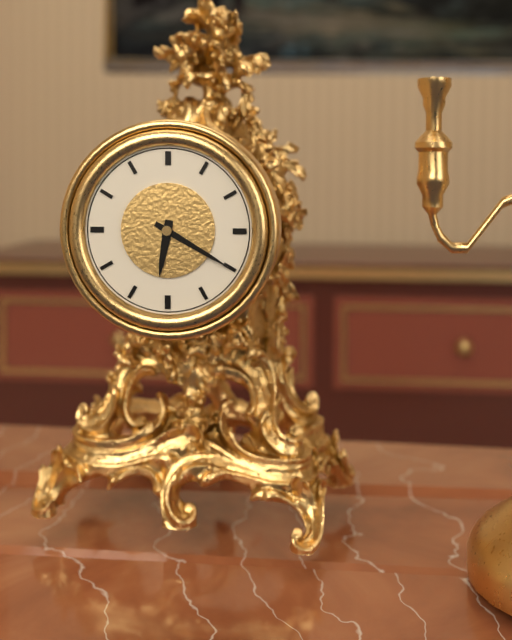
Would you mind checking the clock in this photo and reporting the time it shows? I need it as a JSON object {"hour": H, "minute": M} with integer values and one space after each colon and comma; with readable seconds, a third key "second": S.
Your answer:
{"hour": 6, "minute": 20}
